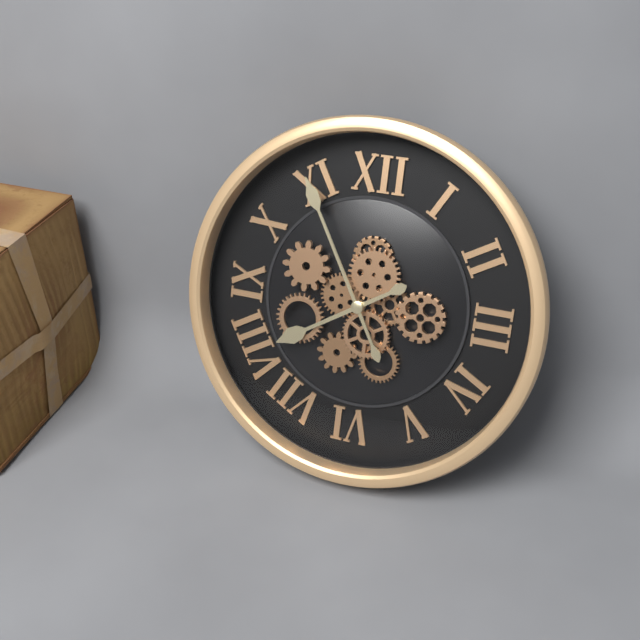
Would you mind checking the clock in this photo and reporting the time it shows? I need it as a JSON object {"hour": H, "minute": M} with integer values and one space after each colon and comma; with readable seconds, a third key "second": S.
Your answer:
{"hour": 7, "minute": 55}
